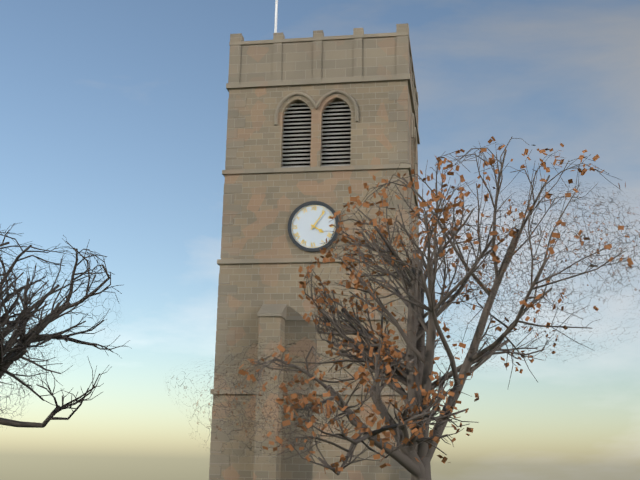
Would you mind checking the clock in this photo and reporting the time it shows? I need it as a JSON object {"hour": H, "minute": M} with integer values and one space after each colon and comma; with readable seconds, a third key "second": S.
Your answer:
{"hour": 4, "minute": 6}
